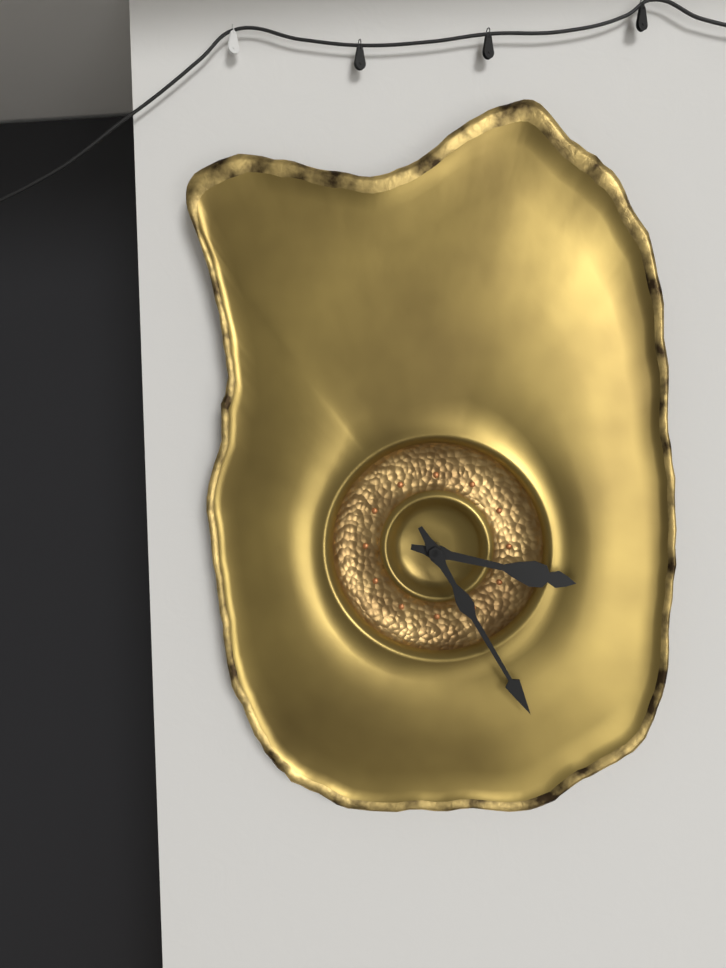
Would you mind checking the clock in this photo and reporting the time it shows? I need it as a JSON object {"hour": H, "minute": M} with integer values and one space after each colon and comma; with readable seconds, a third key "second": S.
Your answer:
{"hour": 3, "minute": 25}
